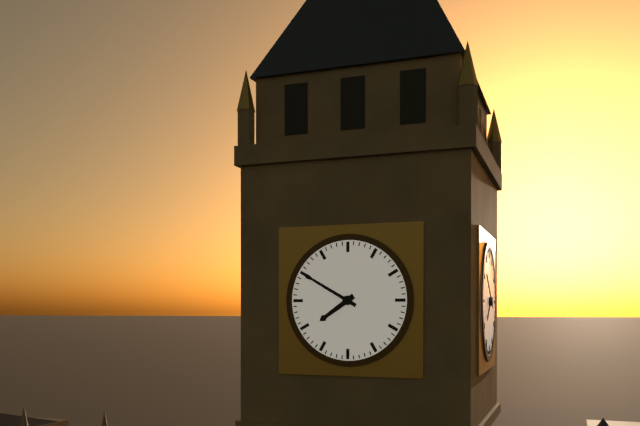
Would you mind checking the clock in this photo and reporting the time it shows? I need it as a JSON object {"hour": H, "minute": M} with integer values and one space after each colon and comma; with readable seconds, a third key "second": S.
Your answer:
{"hour": 7, "minute": 50}
